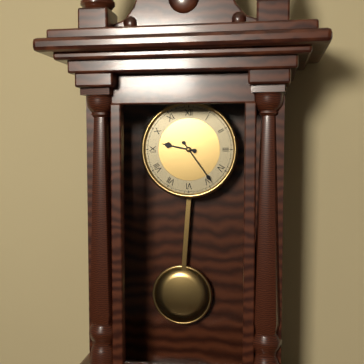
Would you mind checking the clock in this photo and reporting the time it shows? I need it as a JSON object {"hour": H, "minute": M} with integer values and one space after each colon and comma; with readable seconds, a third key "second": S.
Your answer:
{"hour": 9, "minute": 24}
